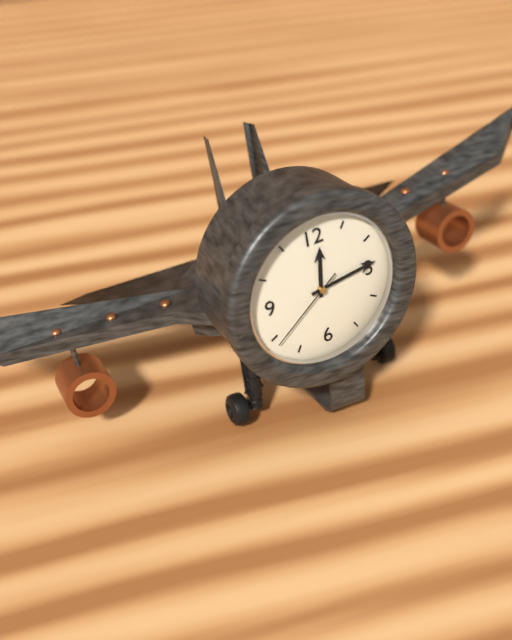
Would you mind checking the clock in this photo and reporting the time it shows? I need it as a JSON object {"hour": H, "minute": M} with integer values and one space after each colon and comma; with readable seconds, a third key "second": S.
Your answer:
{"hour": 12, "minute": 14, "second": 39}
